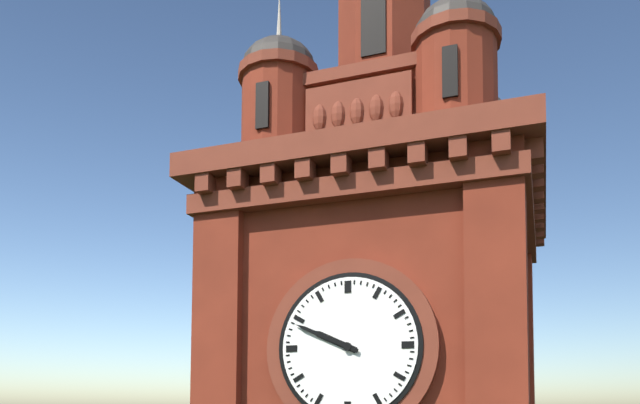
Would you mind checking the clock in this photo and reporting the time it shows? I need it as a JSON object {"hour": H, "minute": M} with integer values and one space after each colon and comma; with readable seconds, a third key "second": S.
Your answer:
{"hour": 9, "minute": 49}
